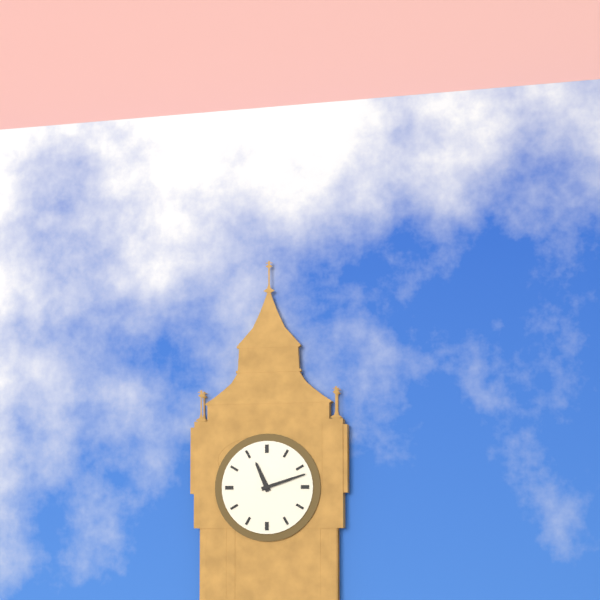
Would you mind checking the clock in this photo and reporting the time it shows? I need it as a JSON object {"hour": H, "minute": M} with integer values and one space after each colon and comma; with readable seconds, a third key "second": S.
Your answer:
{"hour": 11, "minute": 12}
